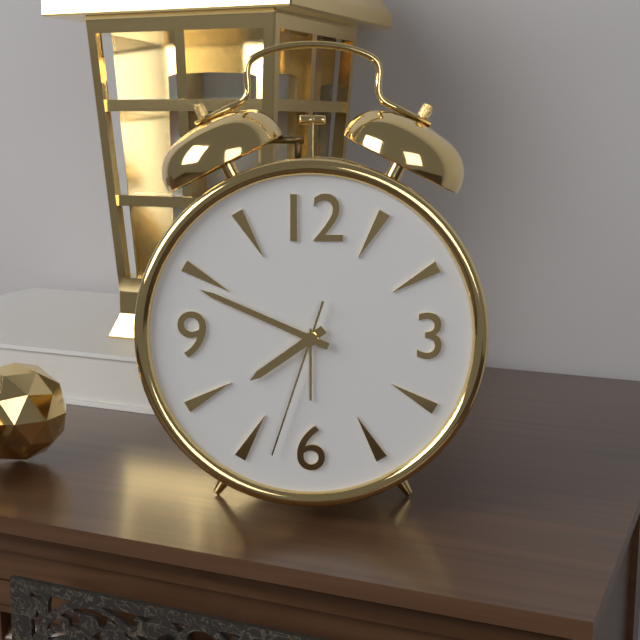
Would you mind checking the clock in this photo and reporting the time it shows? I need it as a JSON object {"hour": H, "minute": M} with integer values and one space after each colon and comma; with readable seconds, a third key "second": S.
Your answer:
{"hour": 7, "minute": 49, "second": 33}
